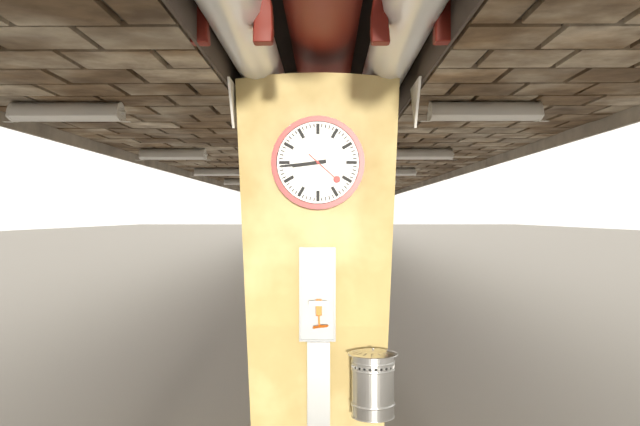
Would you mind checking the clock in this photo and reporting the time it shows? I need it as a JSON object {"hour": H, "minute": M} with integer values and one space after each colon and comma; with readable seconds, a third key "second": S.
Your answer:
{"hour": 8, "minute": 44}
